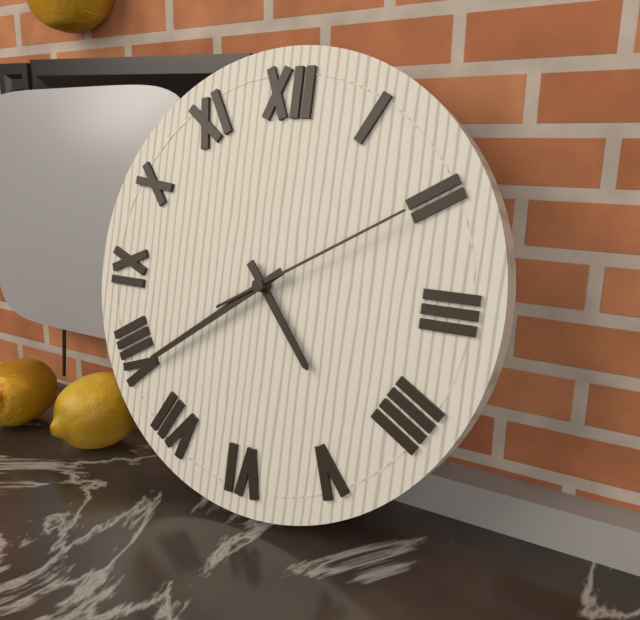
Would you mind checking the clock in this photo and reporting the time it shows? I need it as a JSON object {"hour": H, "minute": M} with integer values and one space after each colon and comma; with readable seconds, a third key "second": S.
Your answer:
{"hour": 4, "minute": 39, "second": 10}
